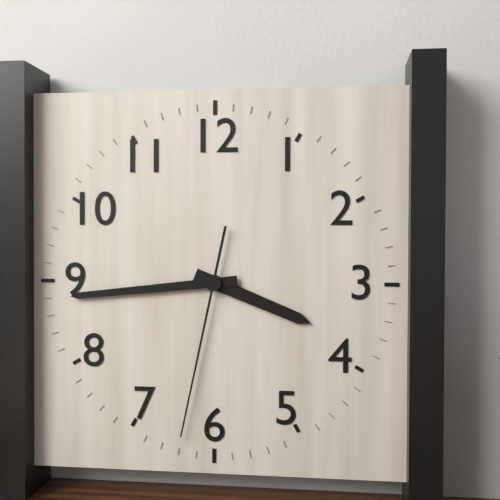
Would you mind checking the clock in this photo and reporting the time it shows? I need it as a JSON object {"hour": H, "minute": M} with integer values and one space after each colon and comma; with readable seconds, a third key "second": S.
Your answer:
{"hour": 3, "minute": 44, "second": 32}
